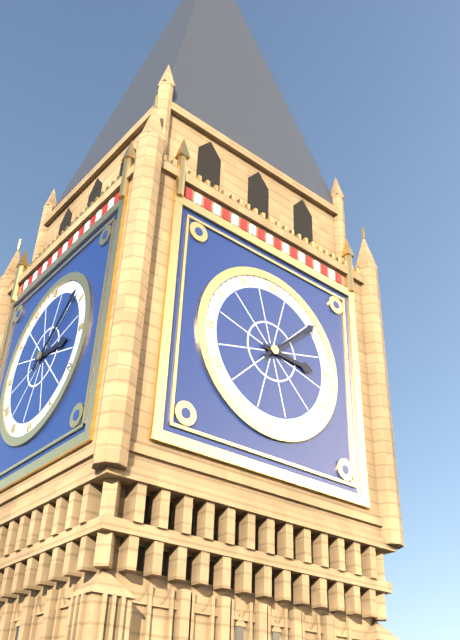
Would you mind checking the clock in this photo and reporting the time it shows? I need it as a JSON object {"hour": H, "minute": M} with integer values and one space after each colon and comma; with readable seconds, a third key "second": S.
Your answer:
{"hour": 3, "minute": 8}
